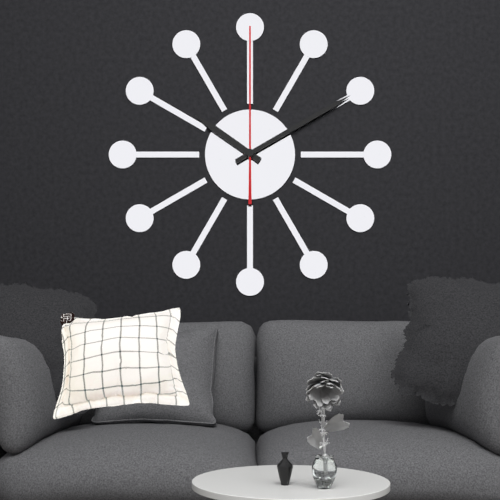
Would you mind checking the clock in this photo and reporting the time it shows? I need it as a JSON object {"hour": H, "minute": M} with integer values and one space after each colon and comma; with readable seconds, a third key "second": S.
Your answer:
{"hour": 10, "minute": 10, "second": 0}
